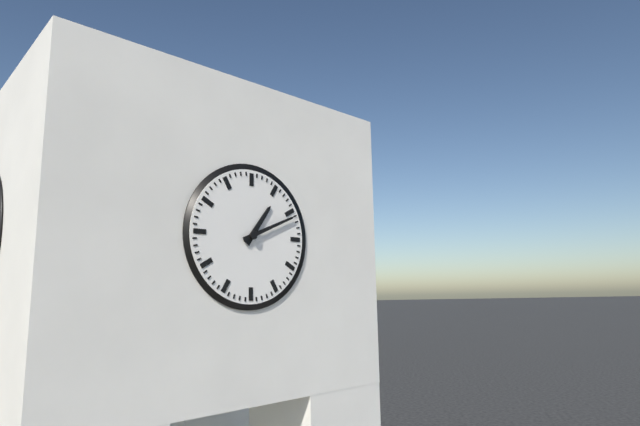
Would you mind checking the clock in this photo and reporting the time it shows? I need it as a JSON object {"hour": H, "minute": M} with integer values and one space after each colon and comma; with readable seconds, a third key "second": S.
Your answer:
{"hour": 1, "minute": 11}
